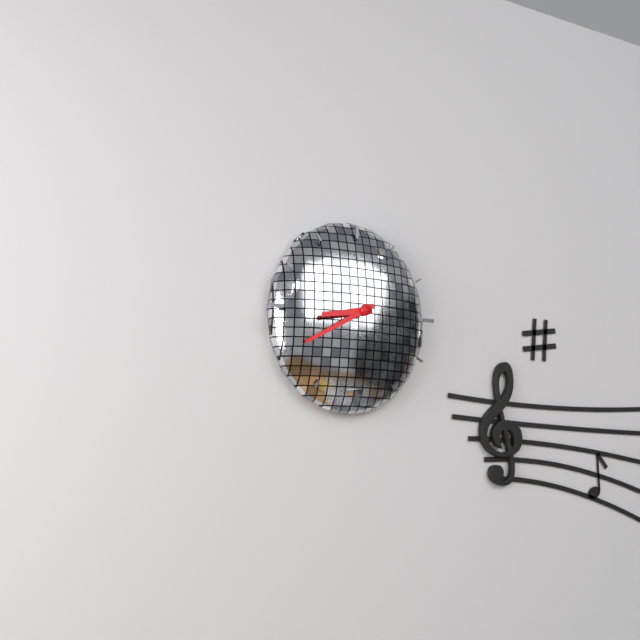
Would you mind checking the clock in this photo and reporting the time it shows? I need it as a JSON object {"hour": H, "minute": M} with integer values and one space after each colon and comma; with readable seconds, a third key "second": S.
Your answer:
{"hour": 8, "minute": 40}
